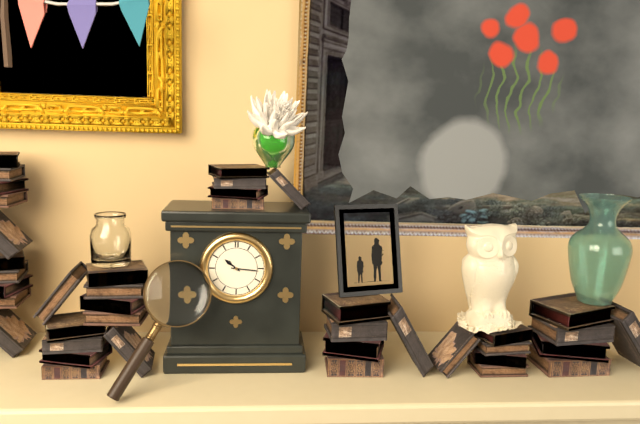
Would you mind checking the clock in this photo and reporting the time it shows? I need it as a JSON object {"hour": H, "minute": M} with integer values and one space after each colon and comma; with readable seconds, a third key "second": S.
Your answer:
{"hour": 10, "minute": 16}
